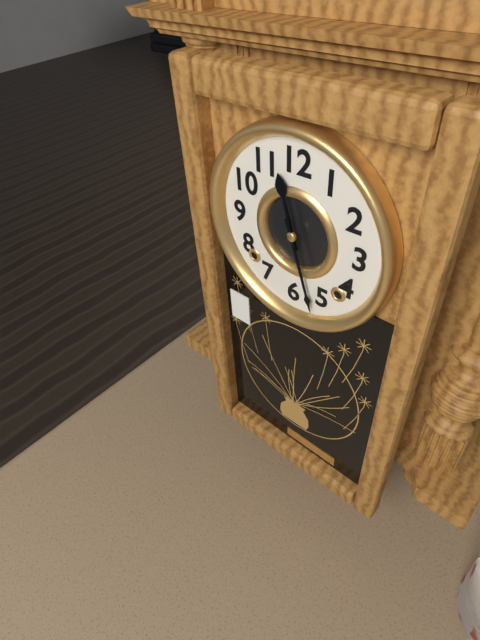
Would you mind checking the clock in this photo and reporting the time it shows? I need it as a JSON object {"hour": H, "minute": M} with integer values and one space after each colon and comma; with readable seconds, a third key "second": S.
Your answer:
{"hour": 11, "minute": 27}
